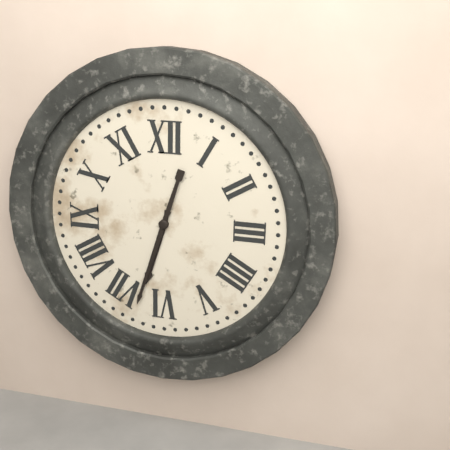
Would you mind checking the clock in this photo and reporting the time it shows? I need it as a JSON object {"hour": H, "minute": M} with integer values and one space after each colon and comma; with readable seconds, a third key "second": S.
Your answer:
{"hour": 6, "minute": 33}
